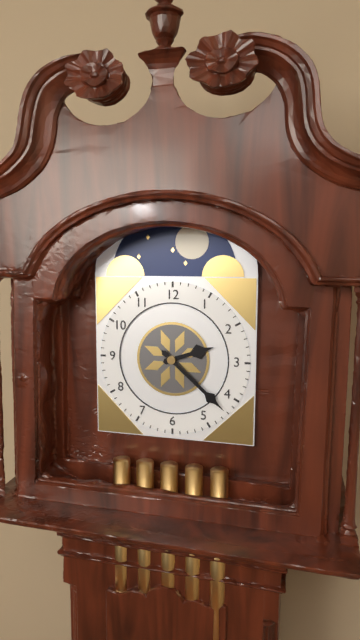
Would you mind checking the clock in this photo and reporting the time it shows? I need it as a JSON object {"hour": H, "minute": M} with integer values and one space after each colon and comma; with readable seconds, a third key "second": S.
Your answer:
{"hour": 2, "minute": 22}
